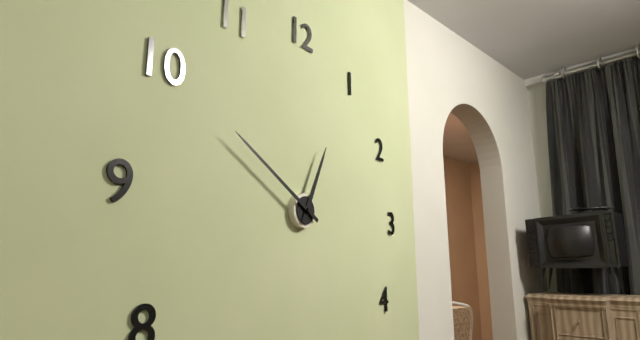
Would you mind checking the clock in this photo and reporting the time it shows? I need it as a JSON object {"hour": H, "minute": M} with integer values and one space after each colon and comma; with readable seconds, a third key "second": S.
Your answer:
{"hour": 12, "minute": 50}
